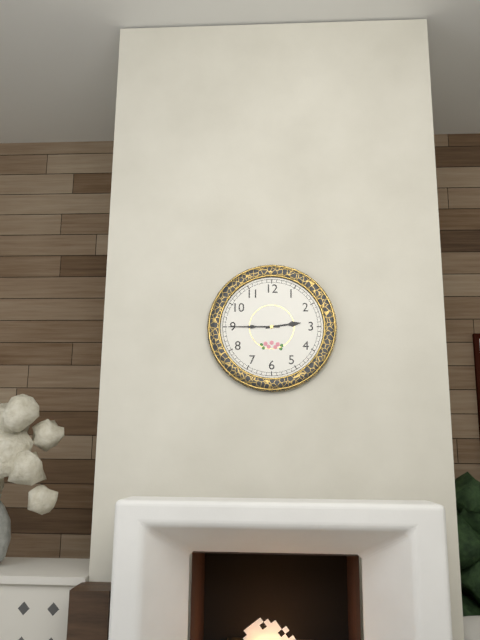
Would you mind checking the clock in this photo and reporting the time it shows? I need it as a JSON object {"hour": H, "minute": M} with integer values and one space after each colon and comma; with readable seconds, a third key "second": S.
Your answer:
{"hour": 2, "minute": 45}
